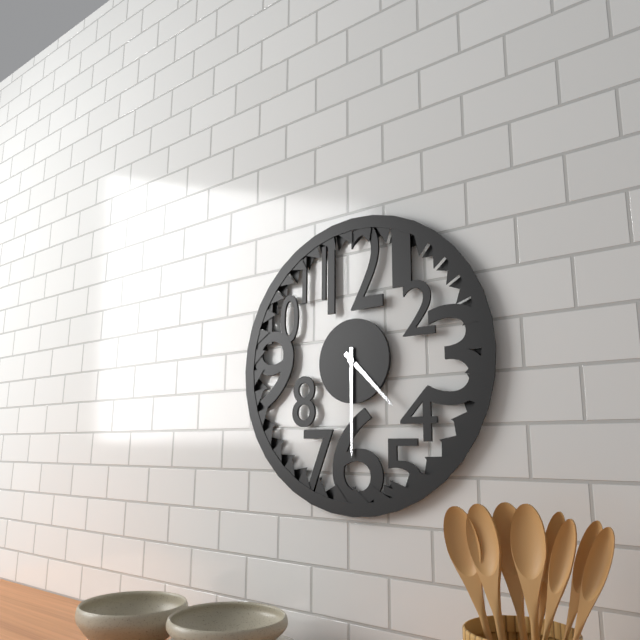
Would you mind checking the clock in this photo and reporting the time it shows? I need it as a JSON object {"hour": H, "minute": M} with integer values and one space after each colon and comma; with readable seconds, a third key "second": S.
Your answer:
{"hour": 4, "minute": 30}
